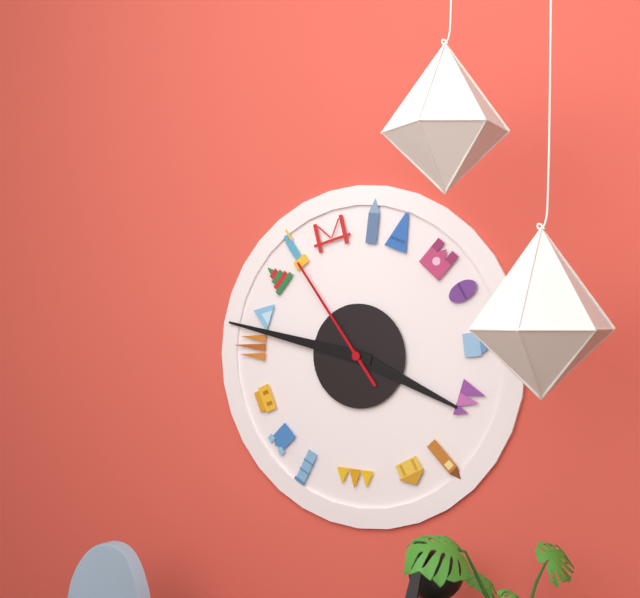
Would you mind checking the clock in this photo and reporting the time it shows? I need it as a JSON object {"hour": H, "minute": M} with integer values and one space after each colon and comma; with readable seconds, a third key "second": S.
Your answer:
{"hour": 3, "minute": 47, "second": 54}
